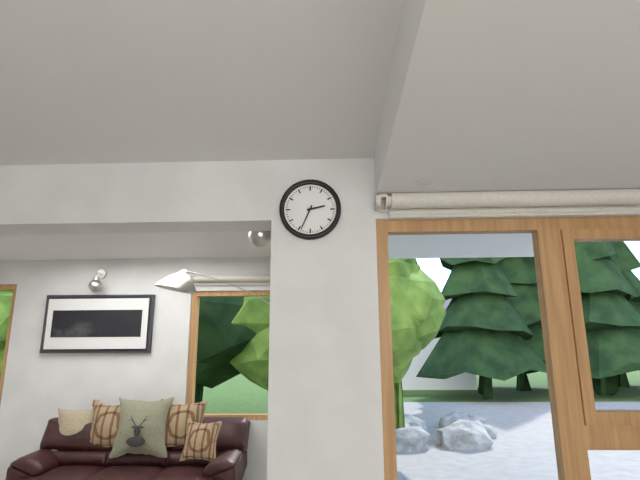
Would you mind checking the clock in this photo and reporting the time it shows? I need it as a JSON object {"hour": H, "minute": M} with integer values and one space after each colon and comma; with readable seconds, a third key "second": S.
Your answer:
{"hour": 2, "minute": 34}
